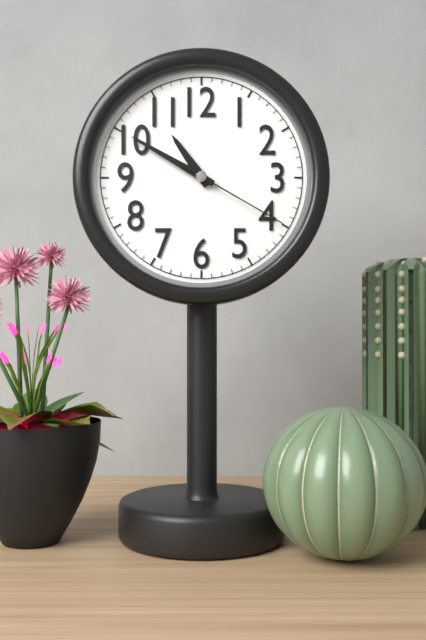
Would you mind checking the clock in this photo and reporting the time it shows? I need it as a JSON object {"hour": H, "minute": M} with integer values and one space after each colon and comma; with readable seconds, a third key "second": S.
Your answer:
{"hour": 10, "minute": 50, "second": 20}
